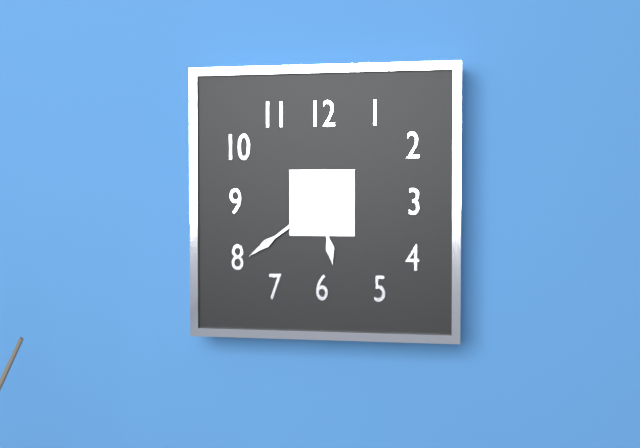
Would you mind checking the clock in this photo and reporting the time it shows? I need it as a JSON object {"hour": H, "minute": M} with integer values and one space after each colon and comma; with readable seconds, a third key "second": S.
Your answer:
{"hour": 5, "minute": 39}
